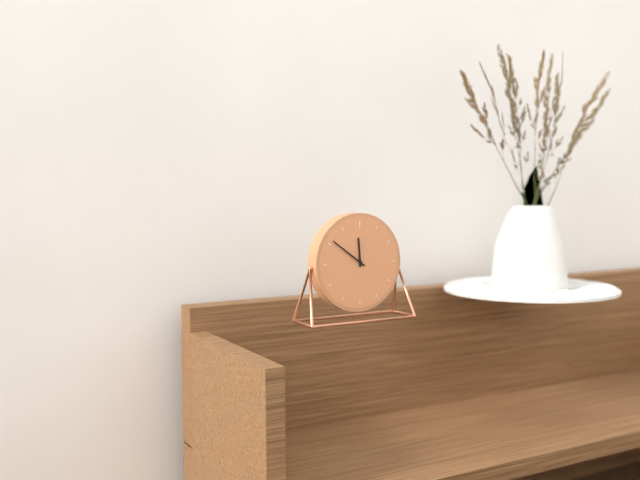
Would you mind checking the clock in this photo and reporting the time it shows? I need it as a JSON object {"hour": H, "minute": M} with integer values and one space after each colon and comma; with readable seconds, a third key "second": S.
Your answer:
{"hour": 11, "minute": 51}
